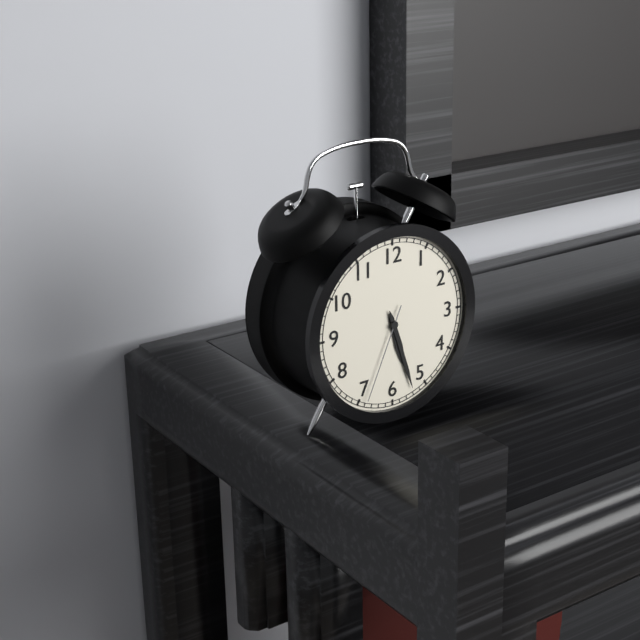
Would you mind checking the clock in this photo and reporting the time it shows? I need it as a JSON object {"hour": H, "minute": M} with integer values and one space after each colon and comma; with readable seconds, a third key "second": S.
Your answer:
{"hour": 5, "minute": 27, "second": 34}
